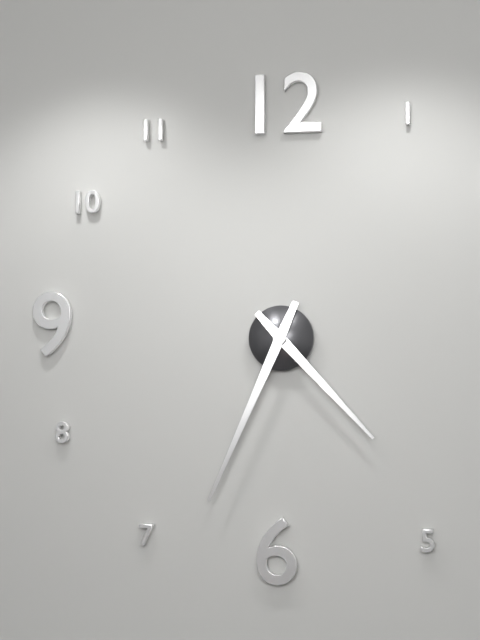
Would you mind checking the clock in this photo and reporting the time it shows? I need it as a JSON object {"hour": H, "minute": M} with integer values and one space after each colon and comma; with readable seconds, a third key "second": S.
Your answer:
{"hour": 4, "minute": 34}
